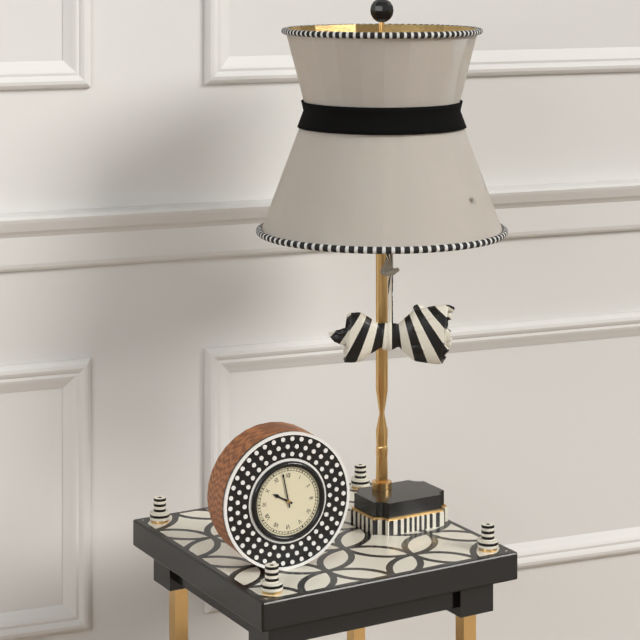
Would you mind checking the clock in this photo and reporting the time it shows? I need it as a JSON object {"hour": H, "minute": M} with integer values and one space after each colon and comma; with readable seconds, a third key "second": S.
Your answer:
{"hour": 9, "minute": 58}
